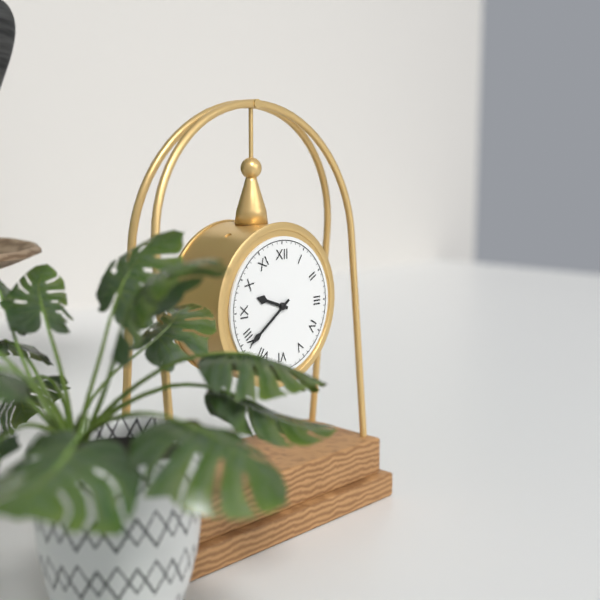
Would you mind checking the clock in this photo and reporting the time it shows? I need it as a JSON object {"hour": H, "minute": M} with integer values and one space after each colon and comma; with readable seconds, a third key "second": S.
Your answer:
{"hour": 9, "minute": 39}
